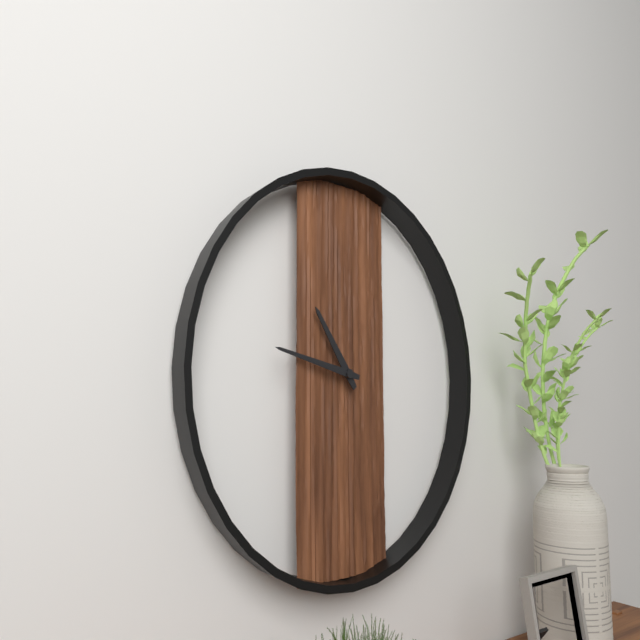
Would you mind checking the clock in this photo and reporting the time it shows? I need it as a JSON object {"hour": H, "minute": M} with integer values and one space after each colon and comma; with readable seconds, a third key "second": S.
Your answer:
{"hour": 10, "minute": 47}
